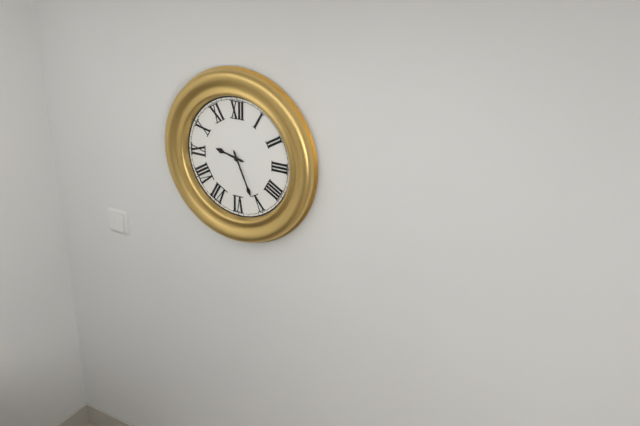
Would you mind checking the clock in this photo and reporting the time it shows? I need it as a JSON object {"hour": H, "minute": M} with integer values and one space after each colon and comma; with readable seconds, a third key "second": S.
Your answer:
{"hour": 9, "minute": 26}
